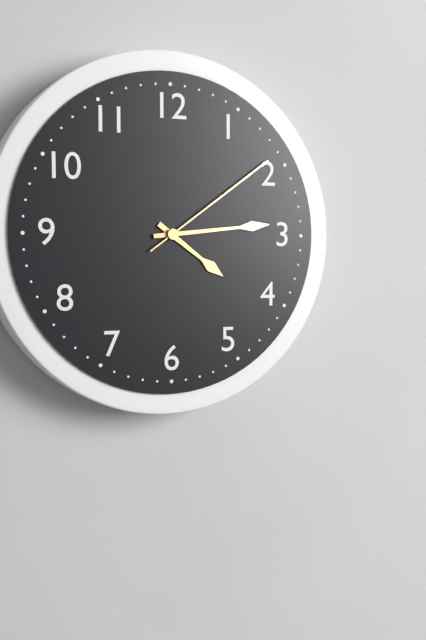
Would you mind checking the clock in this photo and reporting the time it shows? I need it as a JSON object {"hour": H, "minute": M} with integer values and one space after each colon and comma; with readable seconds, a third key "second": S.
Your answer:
{"hour": 4, "minute": 14, "second": 9}
